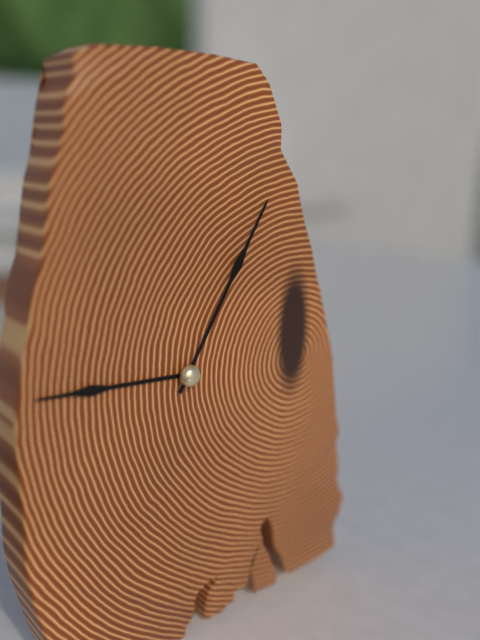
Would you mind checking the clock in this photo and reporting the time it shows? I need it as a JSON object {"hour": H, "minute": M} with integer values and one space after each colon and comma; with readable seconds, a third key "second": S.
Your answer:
{"hour": 9, "minute": 5}
